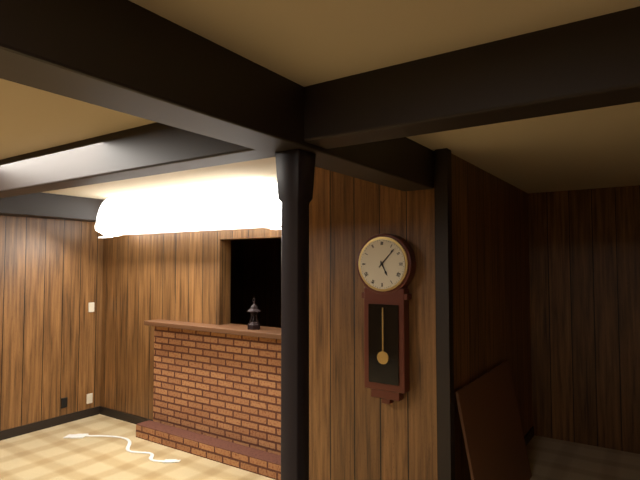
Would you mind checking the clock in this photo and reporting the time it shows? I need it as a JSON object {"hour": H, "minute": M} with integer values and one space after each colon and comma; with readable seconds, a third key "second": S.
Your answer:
{"hour": 5, "minute": 7}
